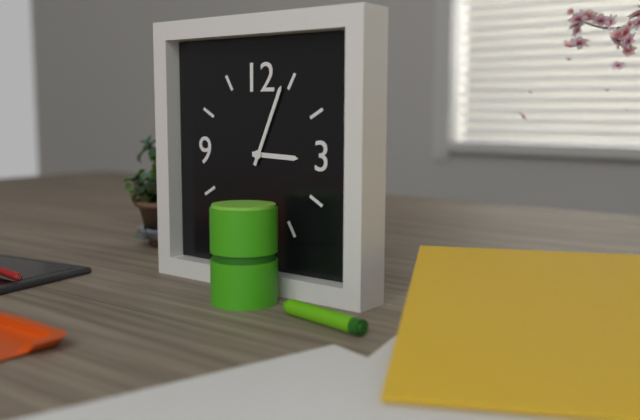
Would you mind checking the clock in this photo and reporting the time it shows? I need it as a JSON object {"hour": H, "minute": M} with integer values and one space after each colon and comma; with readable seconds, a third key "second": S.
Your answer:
{"hour": 3, "minute": 4}
